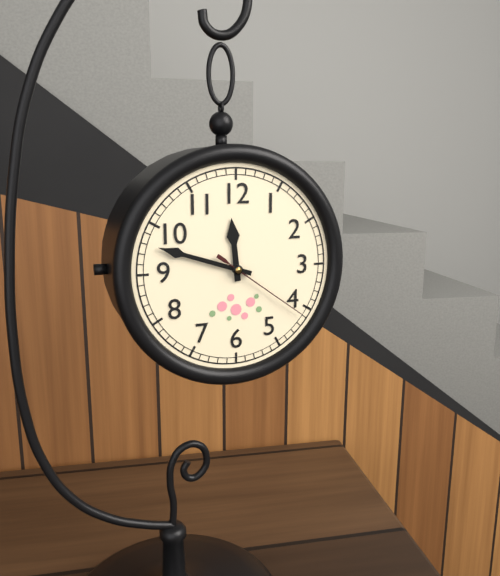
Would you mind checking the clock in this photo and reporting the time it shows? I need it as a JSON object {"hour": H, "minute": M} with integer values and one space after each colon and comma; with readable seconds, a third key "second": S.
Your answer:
{"hour": 11, "minute": 48, "second": 21}
